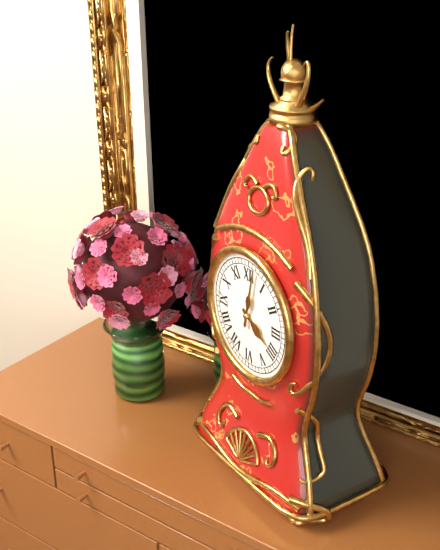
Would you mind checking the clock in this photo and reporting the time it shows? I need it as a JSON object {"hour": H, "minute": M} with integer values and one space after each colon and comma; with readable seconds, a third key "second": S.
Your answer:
{"hour": 4, "minute": 2}
